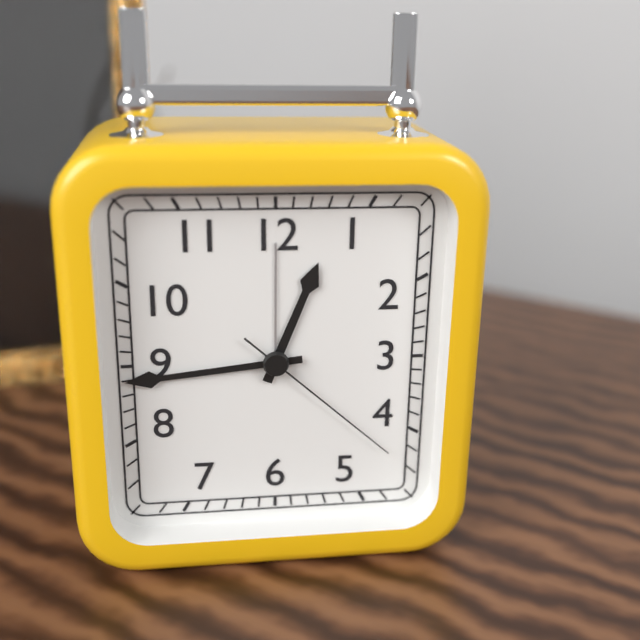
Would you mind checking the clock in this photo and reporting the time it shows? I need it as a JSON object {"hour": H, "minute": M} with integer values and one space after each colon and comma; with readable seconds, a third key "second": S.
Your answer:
{"hour": 12, "minute": 44, "second": 22}
